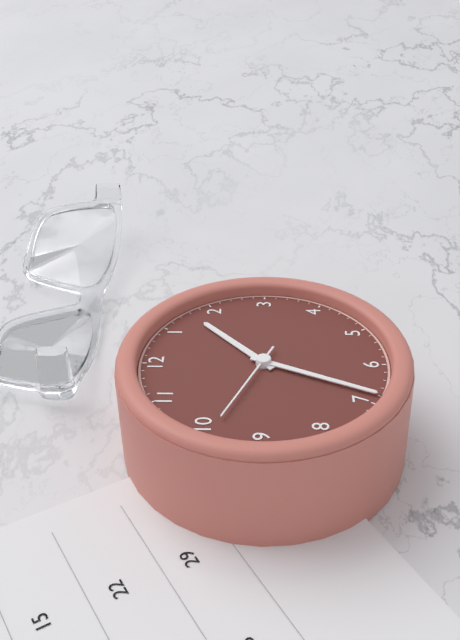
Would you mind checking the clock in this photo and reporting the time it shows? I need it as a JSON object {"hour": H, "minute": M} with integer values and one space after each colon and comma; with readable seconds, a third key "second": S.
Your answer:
{"hour": 1, "minute": 34, "second": 49}
